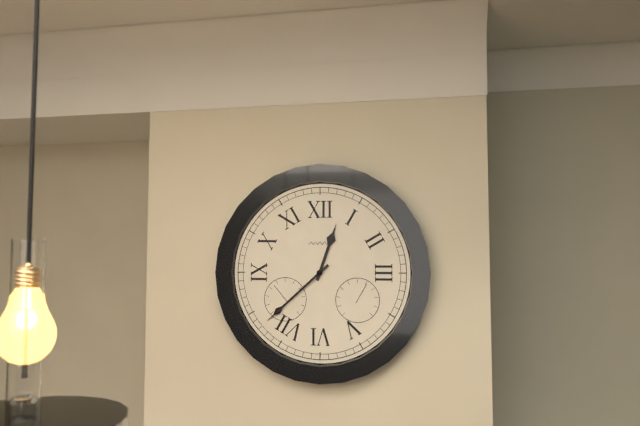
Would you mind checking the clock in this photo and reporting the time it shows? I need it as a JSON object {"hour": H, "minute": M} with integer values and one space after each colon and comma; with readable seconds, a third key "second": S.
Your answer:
{"hour": 12, "minute": 38}
